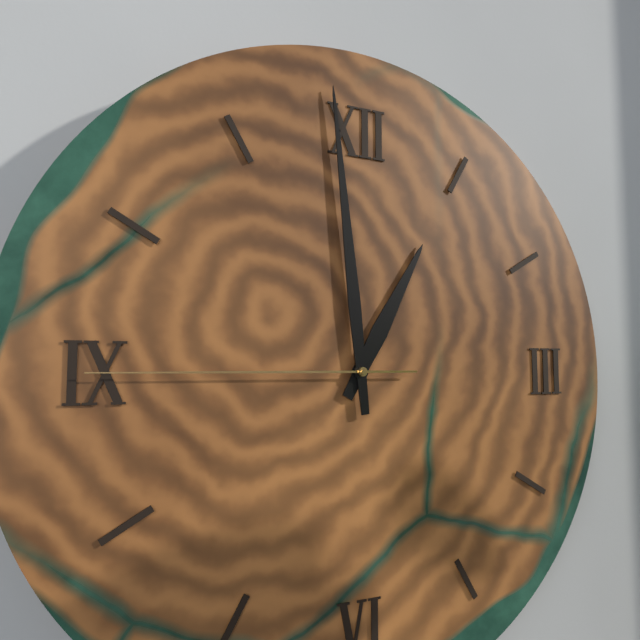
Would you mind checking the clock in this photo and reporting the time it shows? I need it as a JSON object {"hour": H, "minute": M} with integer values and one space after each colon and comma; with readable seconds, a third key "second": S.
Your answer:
{"hour": 12, "minute": 59, "second": 45}
